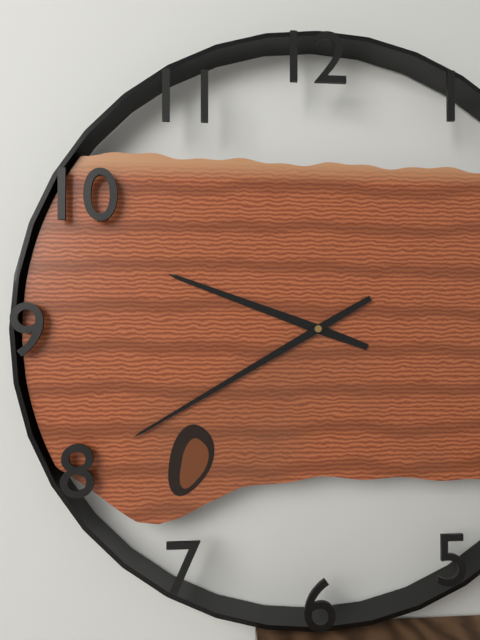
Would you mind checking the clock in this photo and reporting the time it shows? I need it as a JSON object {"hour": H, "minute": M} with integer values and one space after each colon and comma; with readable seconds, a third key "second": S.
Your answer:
{"hour": 9, "minute": 40}
